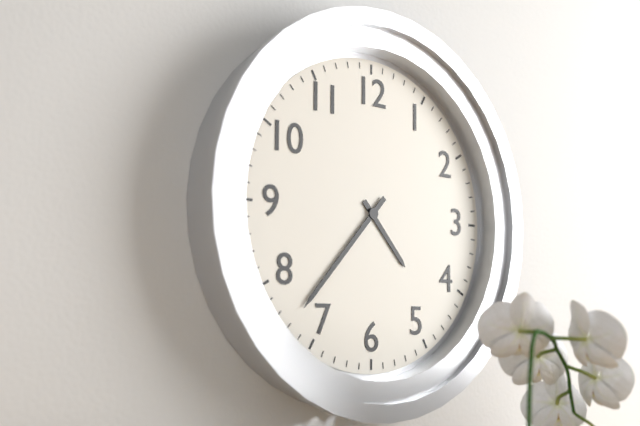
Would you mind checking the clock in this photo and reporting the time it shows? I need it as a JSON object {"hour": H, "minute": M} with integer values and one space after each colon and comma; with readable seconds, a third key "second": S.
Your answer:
{"hour": 4, "minute": 37}
